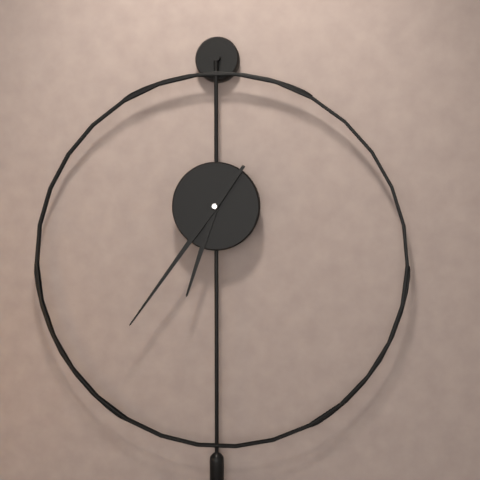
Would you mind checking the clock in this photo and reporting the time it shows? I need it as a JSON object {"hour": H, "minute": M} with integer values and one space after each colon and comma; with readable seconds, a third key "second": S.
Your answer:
{"hour": 6, "minute": 36}
